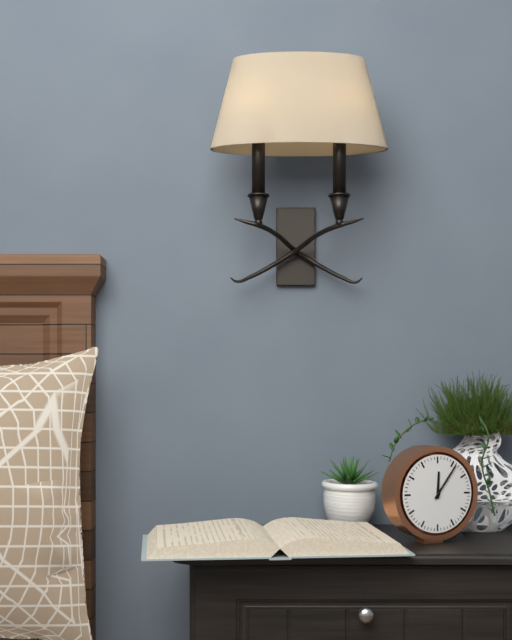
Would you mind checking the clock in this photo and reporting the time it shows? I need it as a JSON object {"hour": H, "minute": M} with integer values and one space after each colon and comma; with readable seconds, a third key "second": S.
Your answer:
{"hour": 12, "minute": 6}
